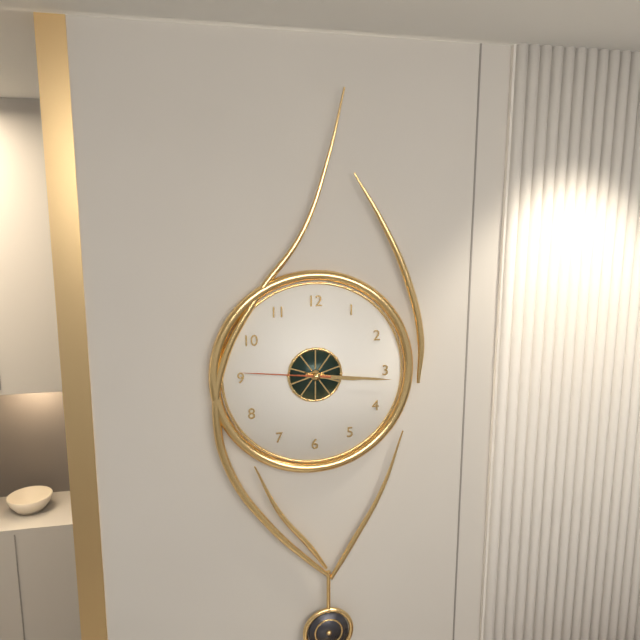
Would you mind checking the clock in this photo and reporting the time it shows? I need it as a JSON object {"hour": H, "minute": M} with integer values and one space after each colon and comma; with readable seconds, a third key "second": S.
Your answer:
{"hour": 3, "minute": 16, "second": 46}
